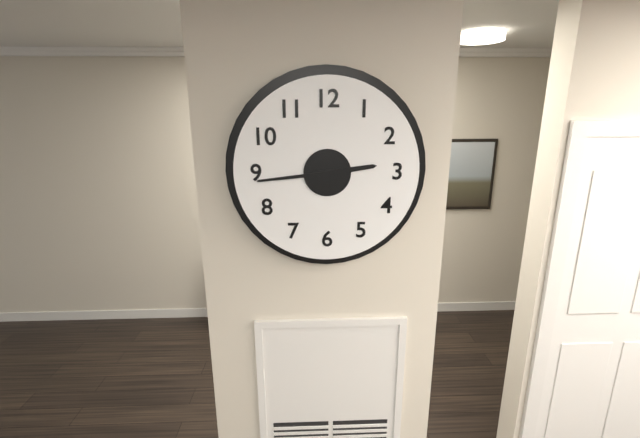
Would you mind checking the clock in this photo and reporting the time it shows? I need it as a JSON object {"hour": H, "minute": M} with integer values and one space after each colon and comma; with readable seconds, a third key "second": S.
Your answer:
{"hour": 2, "minute": 44}
